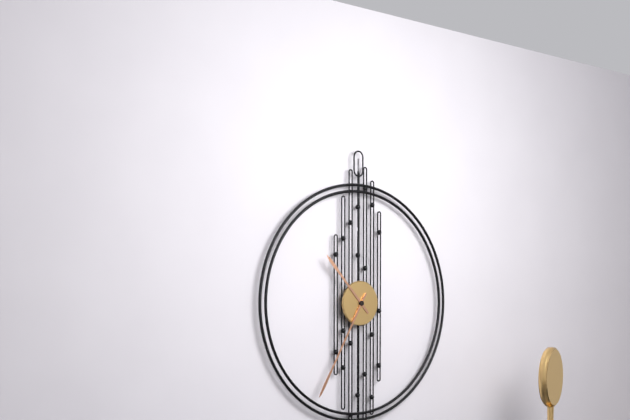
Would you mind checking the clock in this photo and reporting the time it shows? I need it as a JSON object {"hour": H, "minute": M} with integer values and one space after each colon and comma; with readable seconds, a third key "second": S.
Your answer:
{"hour": 10, "minute": 35}
